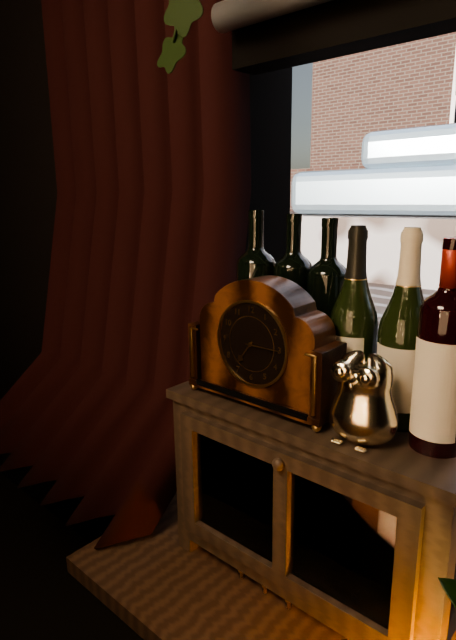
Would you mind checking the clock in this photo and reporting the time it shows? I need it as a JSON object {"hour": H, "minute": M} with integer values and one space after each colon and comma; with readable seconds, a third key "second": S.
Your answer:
{"hour": 7, "minute": 15}
